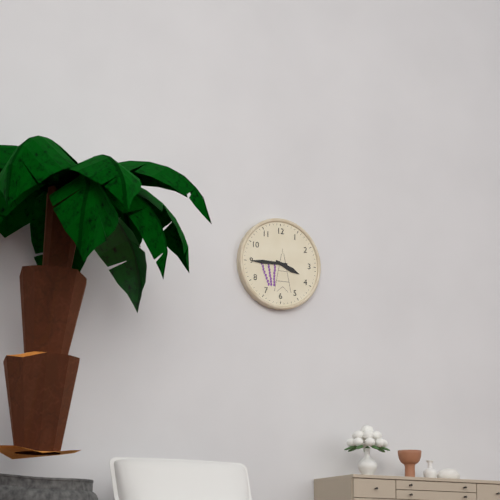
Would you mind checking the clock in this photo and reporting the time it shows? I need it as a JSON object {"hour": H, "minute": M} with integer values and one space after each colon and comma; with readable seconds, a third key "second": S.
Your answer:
{"hour": 3, "minute": 45}
